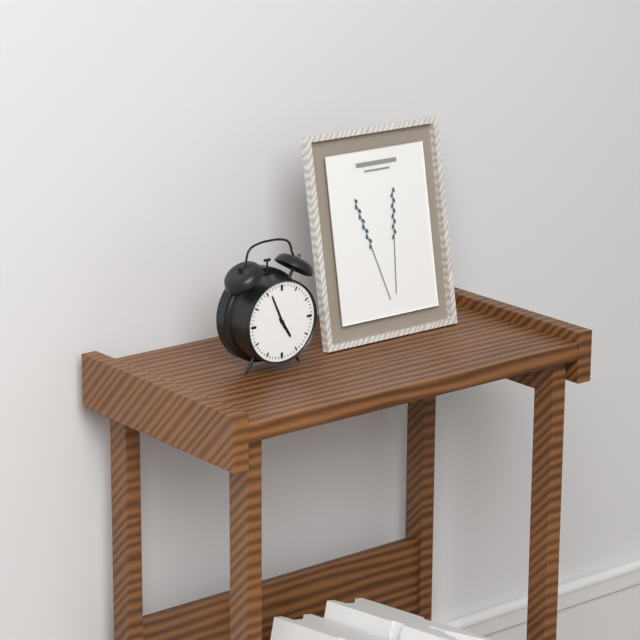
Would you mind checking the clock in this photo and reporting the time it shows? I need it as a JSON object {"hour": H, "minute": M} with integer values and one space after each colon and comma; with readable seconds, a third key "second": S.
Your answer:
{"hour": 4, "minute": 56}
